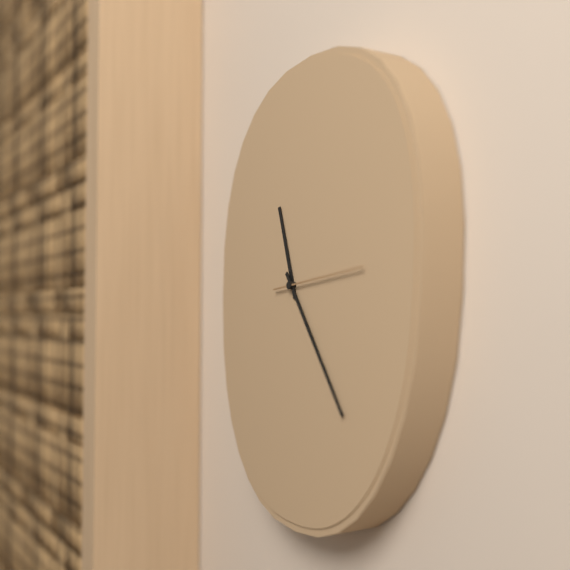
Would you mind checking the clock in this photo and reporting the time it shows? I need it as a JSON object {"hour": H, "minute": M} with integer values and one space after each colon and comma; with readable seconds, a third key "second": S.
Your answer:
{"hour": 11, "minute": 24}
